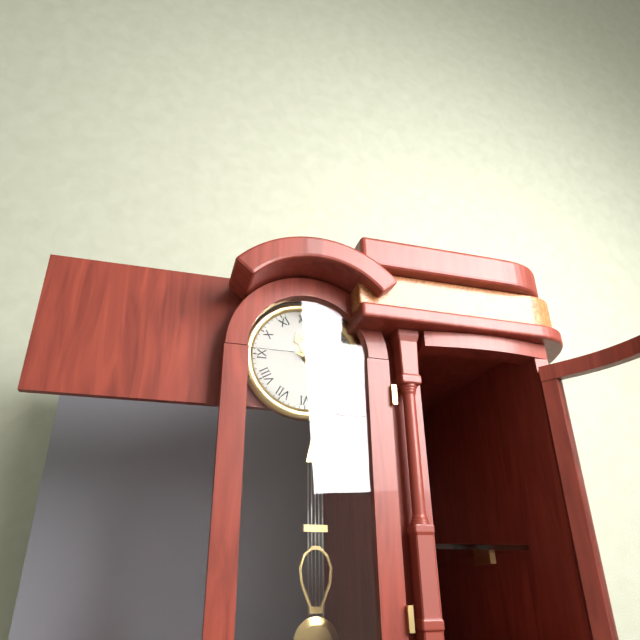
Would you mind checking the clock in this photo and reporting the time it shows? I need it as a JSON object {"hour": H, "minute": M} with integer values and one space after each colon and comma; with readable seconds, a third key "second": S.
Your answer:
{"hour": 11, "minute": 20}
